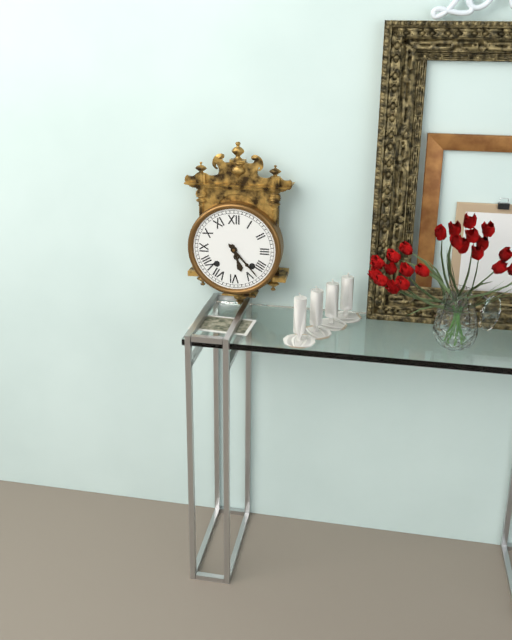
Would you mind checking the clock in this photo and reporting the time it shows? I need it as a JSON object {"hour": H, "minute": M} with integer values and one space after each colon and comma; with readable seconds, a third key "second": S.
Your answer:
{"hour": 5, "minute": 23}
